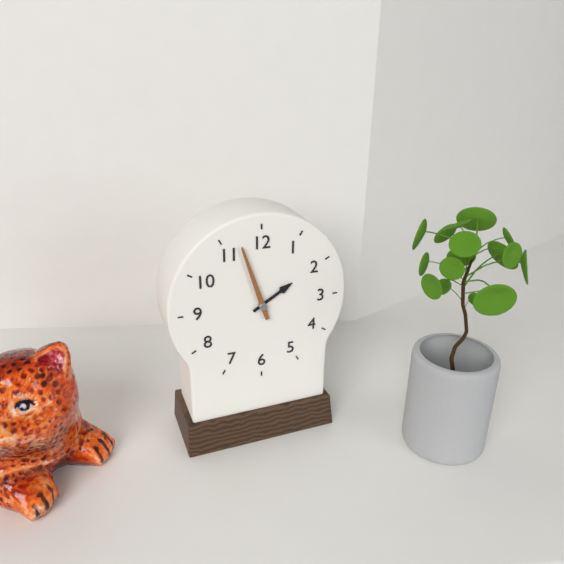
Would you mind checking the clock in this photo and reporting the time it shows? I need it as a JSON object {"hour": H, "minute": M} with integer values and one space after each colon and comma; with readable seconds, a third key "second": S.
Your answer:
{"hour": 1, "minute": 57}
